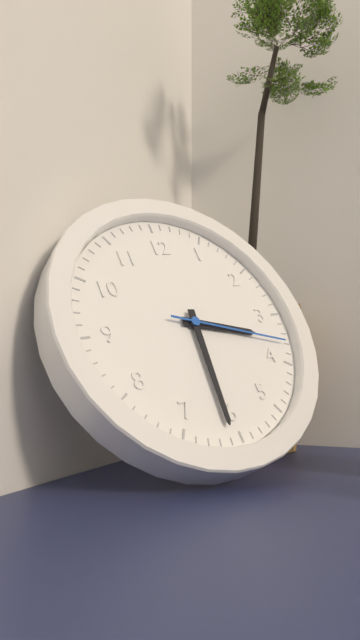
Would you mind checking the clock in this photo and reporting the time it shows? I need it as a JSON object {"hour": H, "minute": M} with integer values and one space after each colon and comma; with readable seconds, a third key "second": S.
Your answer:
{"hour": 3, "minute": 31, "second": 18}
